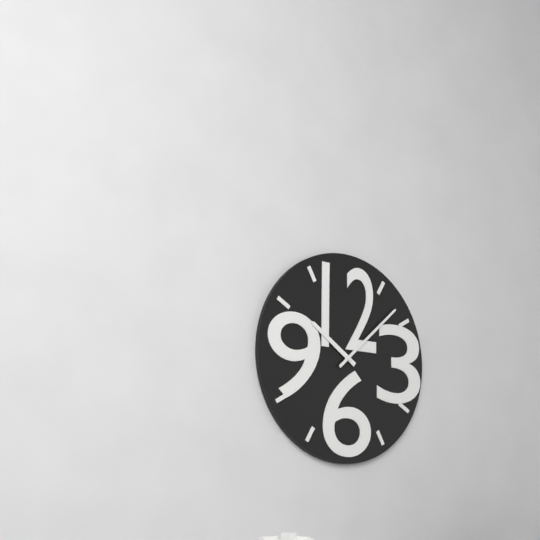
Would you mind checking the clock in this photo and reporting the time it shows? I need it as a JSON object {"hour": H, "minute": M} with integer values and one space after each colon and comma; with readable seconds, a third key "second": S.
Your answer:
{"hour": 10, "minute": 8}
